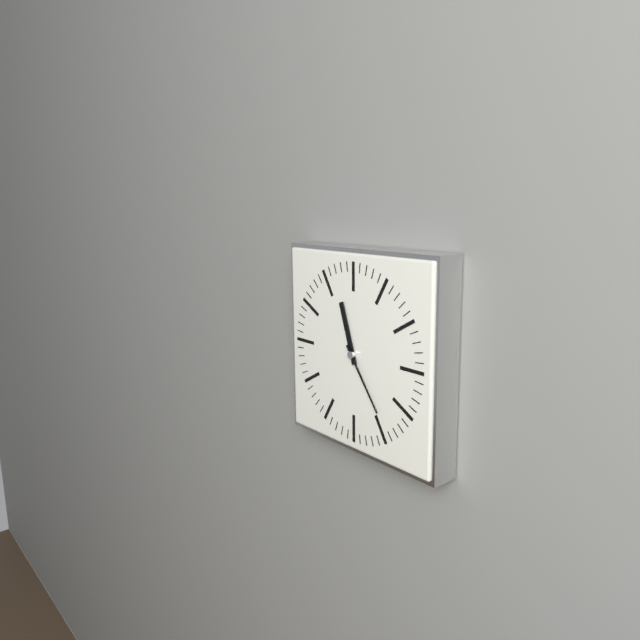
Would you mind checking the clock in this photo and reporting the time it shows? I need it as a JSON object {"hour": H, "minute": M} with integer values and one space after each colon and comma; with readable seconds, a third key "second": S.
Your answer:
{"hour": 11, "minute": 24}
